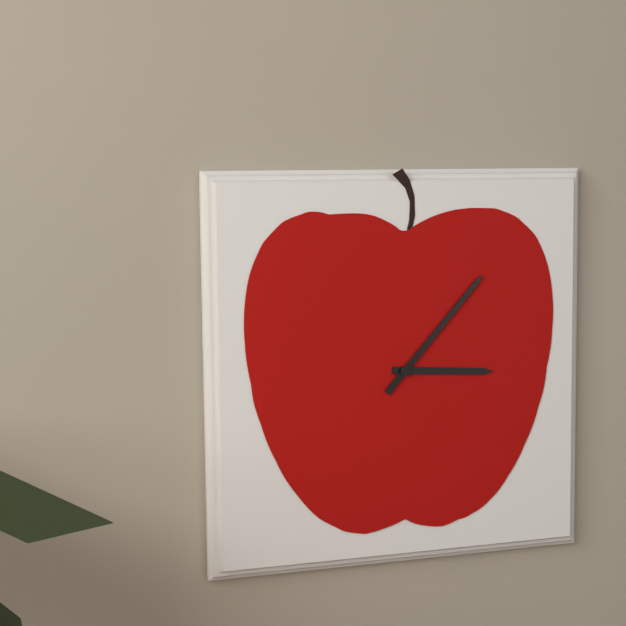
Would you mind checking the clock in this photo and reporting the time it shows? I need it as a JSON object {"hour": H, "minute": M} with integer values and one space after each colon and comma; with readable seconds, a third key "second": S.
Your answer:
{"hour": 3, "minute": 7}
